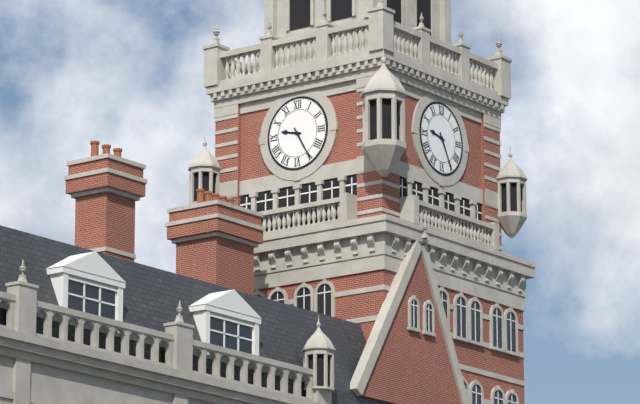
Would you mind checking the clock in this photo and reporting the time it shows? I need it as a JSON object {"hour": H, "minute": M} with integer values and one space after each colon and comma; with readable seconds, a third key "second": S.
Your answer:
{"hour": 9, "minute": 25}
